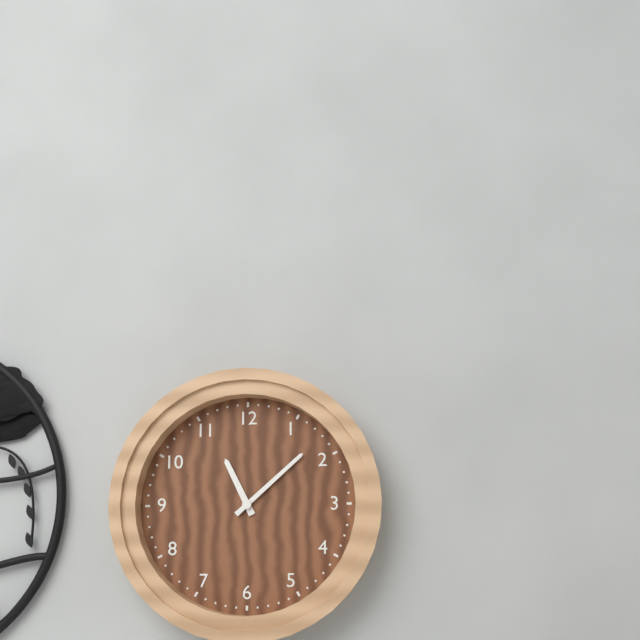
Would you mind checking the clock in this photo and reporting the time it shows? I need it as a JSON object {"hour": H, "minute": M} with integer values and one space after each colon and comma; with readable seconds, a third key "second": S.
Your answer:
{"hour": 11, "minute": 8}
